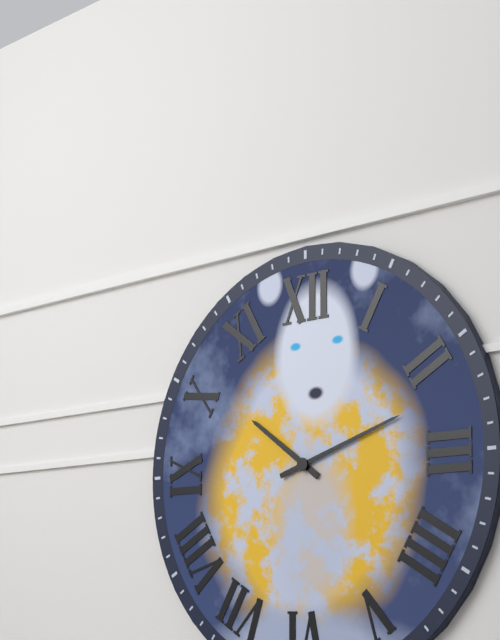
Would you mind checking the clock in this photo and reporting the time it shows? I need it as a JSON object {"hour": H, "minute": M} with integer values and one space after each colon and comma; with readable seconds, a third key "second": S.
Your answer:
{"hour": 10, "minute": 12}
